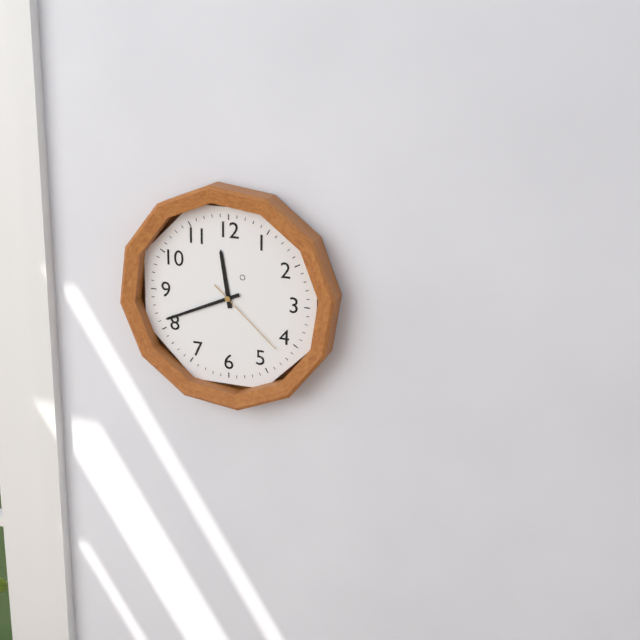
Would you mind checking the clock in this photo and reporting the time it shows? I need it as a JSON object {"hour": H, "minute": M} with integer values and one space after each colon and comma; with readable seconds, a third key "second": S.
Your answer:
{"hour": 11, "minute": 41, "second": 22}
